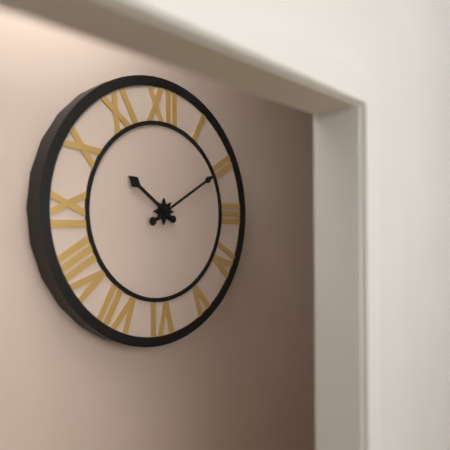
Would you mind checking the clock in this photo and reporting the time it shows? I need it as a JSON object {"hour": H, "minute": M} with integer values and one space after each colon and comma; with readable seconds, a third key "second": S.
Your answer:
{"hour": 10, "minute": 10}
